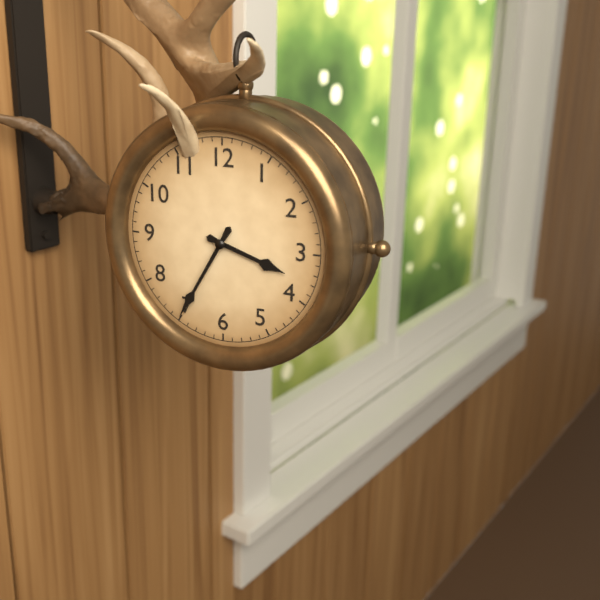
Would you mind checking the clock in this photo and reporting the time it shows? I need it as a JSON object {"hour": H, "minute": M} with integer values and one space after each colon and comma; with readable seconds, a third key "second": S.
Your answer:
{"hour": 3, "minute": 35}
